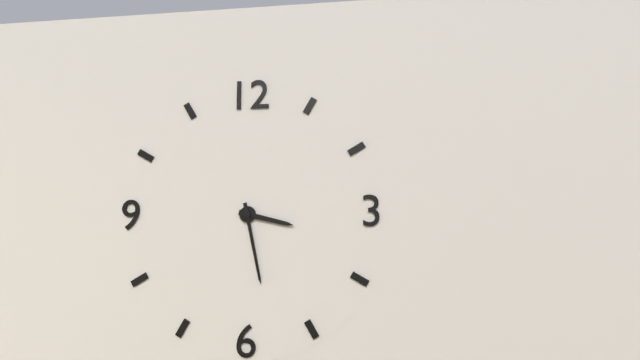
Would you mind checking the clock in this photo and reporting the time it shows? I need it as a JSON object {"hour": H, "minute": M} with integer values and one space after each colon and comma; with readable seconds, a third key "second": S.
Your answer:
{"hour": 3, "minute": 28}
